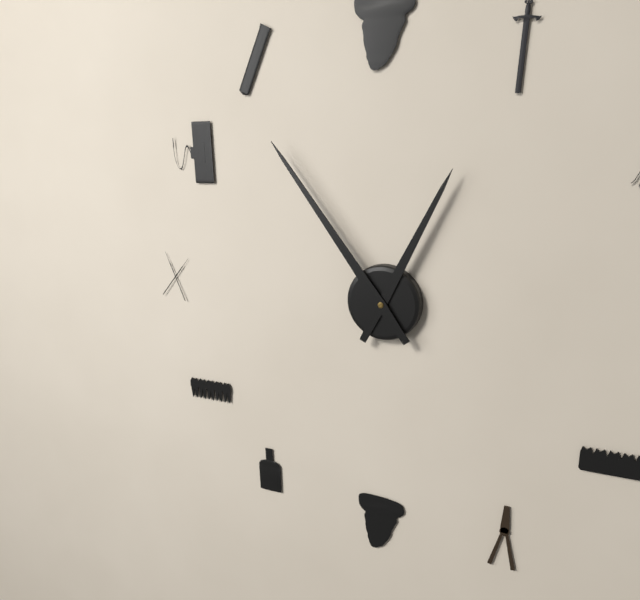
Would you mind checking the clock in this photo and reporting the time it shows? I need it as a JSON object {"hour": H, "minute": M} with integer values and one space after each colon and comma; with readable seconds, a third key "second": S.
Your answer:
{"hour": 12, "minute": 54}
